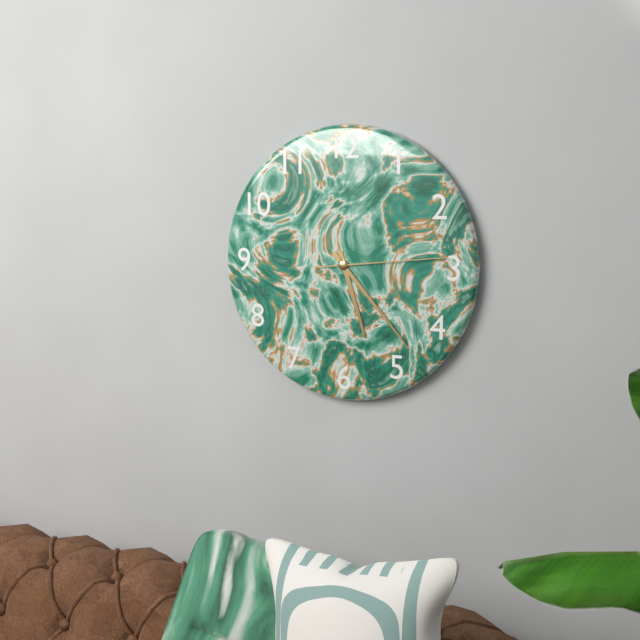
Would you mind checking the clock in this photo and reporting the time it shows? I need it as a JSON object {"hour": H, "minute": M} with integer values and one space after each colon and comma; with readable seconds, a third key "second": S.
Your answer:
{"hour": 5, "minute": 23, "second": 14}
